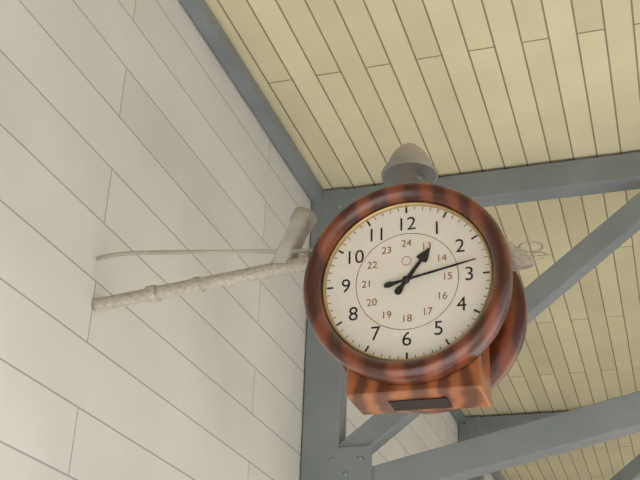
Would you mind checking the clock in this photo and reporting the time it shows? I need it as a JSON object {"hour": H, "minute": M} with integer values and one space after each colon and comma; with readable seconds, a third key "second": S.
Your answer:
{"hour": 1, "minute": 13}
